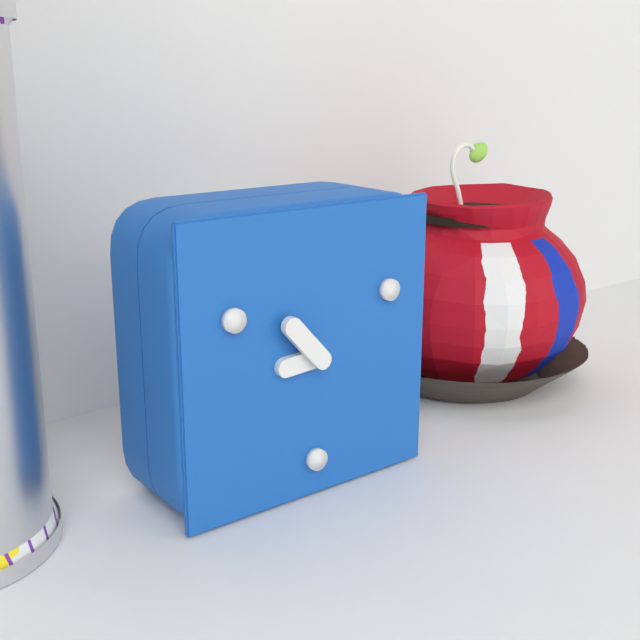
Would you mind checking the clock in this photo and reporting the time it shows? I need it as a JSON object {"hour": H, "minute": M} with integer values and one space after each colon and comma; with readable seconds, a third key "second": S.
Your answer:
{"hour": 8, "minute": 53}
